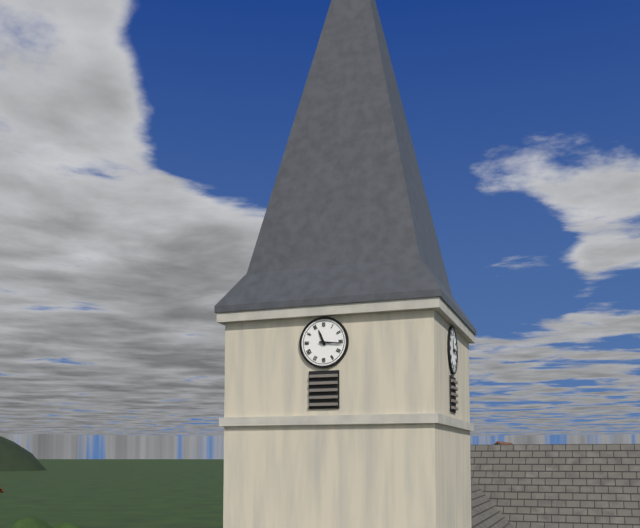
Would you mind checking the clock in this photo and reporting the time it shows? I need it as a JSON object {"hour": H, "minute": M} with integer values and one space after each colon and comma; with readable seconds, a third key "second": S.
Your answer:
{"hour": 11, "minute": 16}
